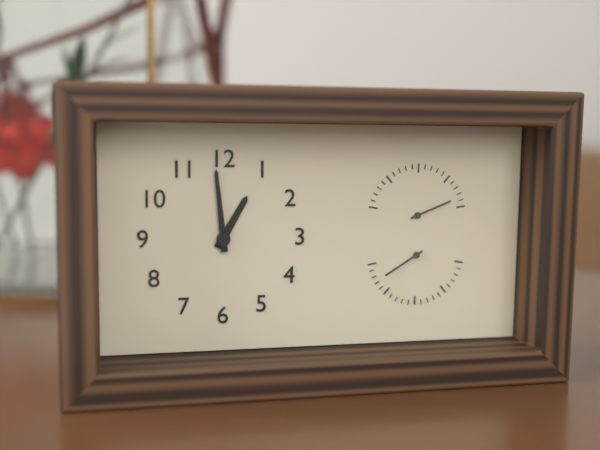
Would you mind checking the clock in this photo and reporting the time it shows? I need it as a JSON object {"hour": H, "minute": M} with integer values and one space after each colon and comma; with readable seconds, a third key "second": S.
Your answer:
{"hour": 12, "minute": 59}
